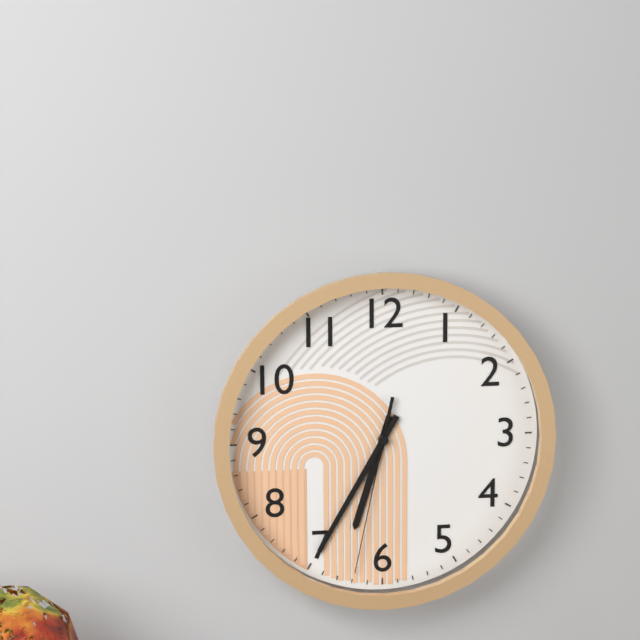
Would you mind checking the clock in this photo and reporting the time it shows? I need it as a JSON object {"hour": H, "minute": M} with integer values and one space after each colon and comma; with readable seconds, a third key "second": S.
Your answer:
{"hour": 6, "minute": 35, "second": 32}
